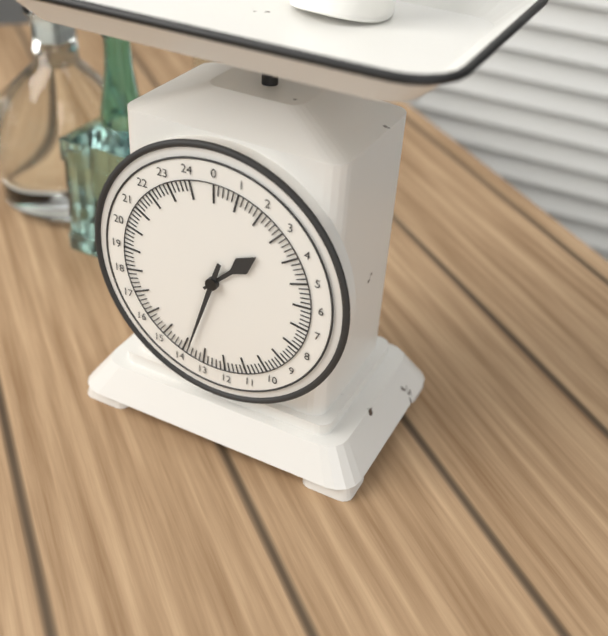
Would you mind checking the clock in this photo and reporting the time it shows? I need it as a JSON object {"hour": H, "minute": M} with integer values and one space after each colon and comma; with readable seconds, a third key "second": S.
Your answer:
{"hour": 1, "minute": 33}
